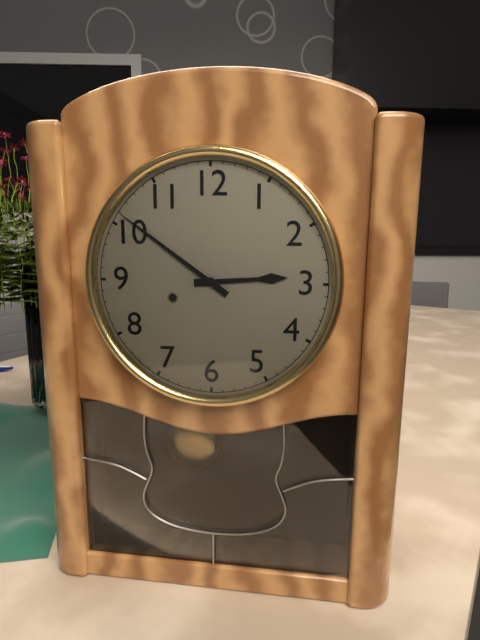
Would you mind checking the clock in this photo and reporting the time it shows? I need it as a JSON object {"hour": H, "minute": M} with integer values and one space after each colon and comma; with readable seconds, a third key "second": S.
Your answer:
{"hour": 2, "minute": 51}
